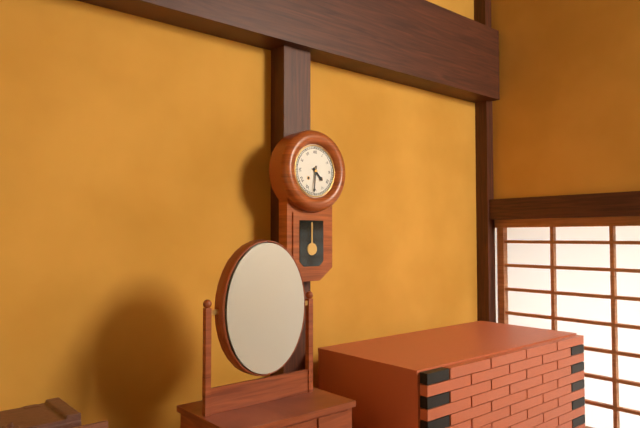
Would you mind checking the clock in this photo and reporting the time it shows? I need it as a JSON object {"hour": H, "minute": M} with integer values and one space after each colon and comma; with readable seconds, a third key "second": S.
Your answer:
{"hour": 4, "minute": 31}
